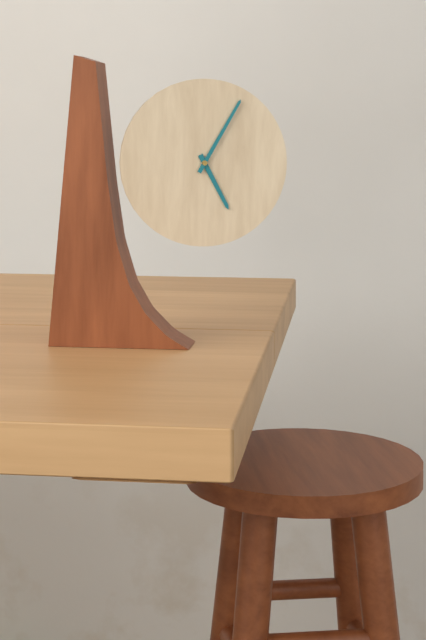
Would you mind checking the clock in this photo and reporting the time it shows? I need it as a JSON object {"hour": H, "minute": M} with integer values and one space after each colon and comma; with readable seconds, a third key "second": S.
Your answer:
{"hour": 5, "minute": 5}
